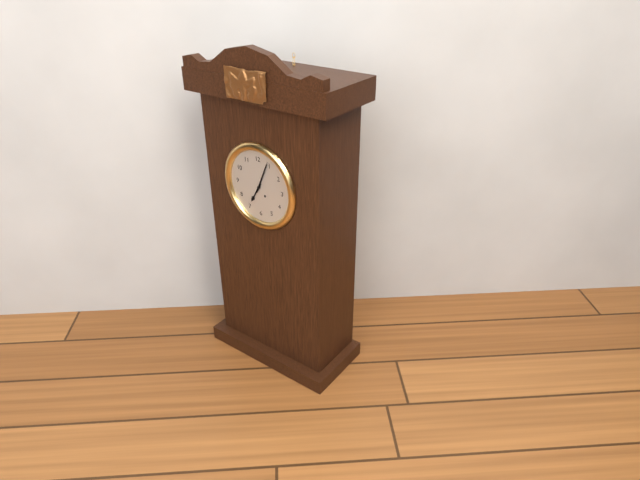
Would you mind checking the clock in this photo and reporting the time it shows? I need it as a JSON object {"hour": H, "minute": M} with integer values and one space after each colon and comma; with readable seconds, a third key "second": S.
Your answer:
{"hour": 7, "minute": 4}
